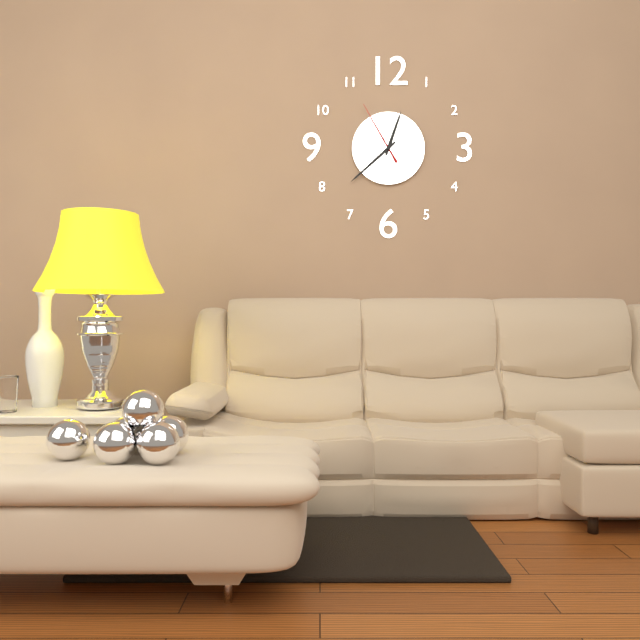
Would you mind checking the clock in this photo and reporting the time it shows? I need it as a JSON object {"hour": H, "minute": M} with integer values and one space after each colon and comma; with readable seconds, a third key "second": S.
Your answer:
{"hour": 12, "minute": 38, "second": 55}
